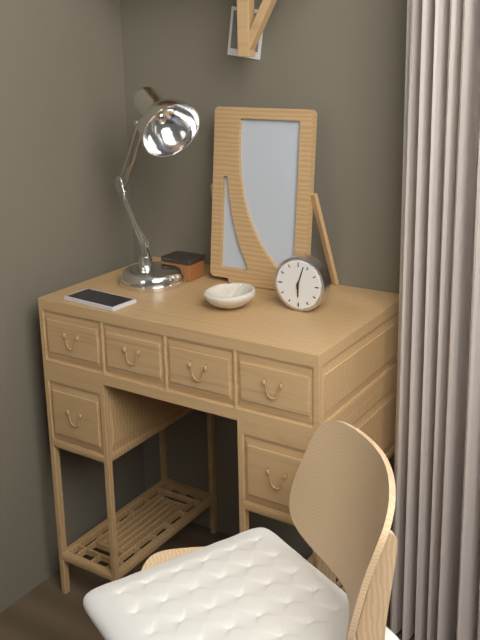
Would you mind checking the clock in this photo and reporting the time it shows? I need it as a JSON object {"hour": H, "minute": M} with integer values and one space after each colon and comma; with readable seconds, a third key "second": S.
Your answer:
{"hour": 6, "minute": 3}
